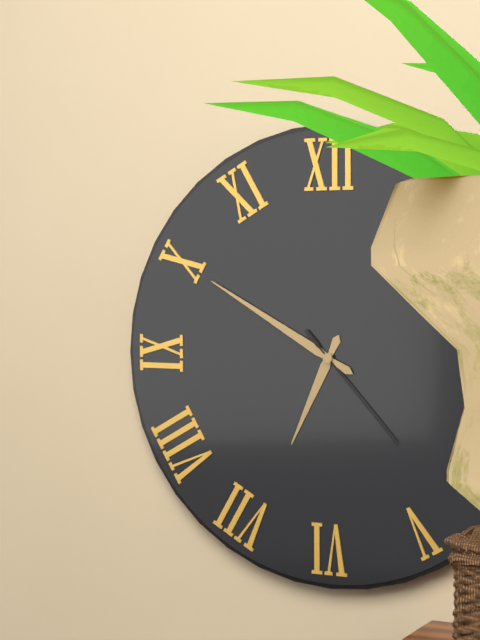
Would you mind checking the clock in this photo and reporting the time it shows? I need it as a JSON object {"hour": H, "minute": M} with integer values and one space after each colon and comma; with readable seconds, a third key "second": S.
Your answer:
{"hour": 6, "minute": 50, "second": 23}
